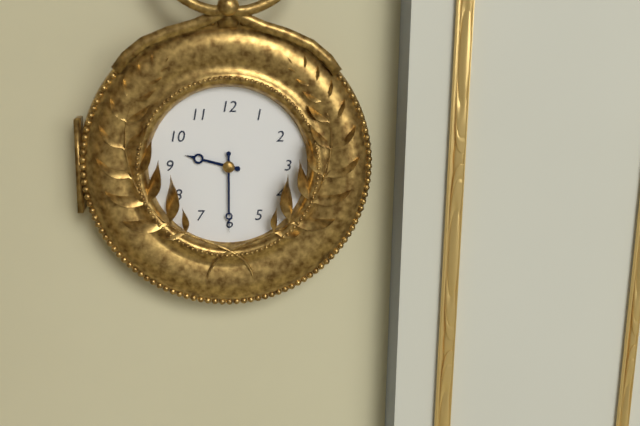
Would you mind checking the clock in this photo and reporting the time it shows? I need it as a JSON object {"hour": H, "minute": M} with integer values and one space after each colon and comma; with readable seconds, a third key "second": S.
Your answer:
{"hour": 9, "minute": 30}
